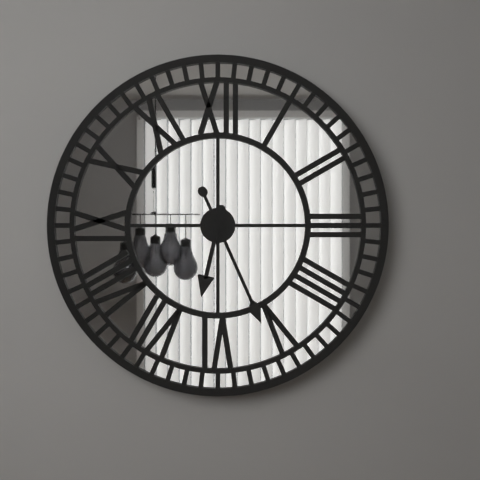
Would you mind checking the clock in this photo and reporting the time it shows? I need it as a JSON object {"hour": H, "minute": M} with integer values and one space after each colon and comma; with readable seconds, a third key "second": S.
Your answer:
{"hour": 6, "minute": 26}
